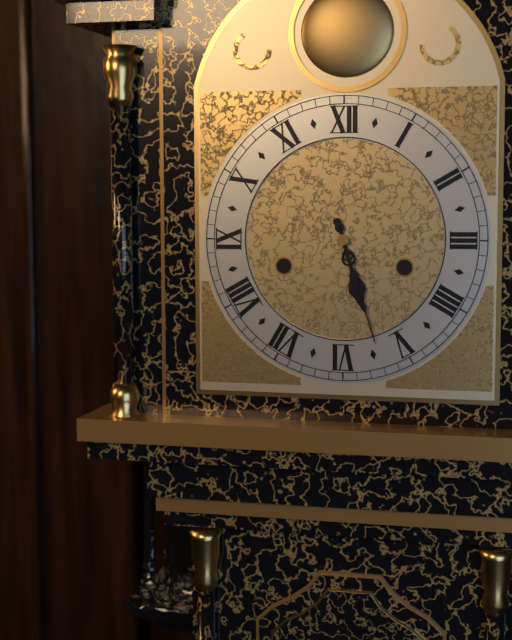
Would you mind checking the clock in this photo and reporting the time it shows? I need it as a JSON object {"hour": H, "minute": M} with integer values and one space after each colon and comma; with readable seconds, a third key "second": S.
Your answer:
{"hour": 5, "minute": 27}
